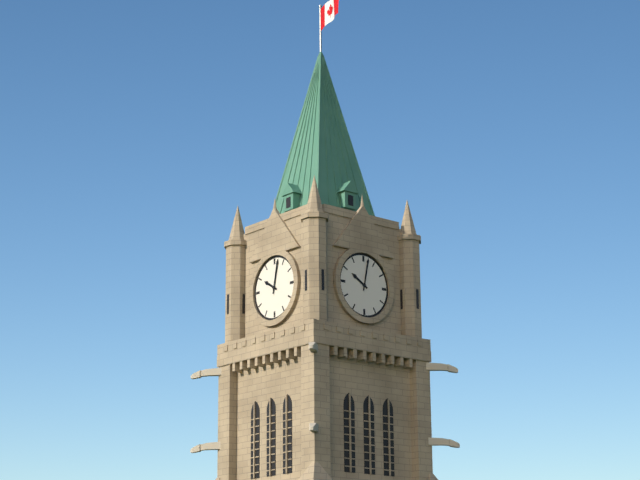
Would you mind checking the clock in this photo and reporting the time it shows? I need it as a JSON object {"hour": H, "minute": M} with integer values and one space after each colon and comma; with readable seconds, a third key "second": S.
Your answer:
{"hour": 10, "minute": 2}
